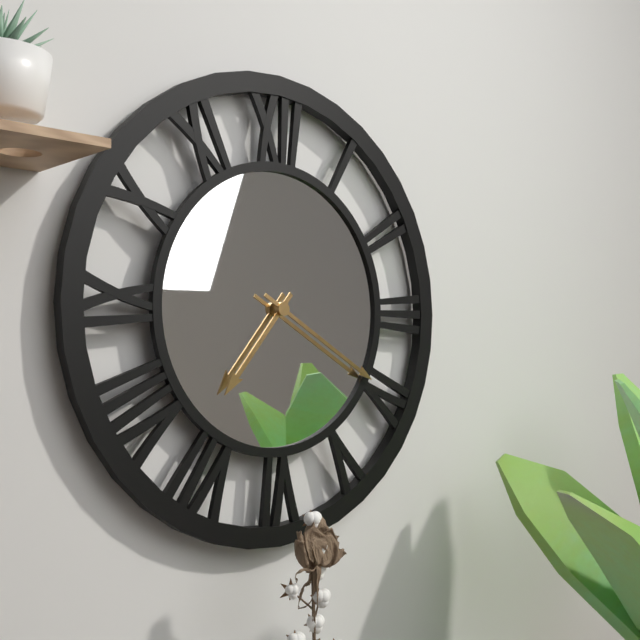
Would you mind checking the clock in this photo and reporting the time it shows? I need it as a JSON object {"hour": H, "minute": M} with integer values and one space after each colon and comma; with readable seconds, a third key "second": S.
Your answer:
{"hour": 7, "minute": 20}
